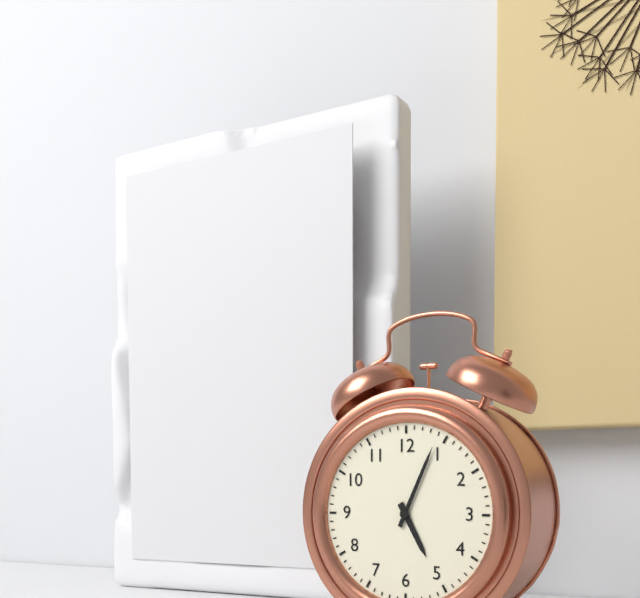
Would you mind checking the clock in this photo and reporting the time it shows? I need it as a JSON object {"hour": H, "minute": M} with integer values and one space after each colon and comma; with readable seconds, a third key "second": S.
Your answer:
{"hour": 5, "minute": 4}
